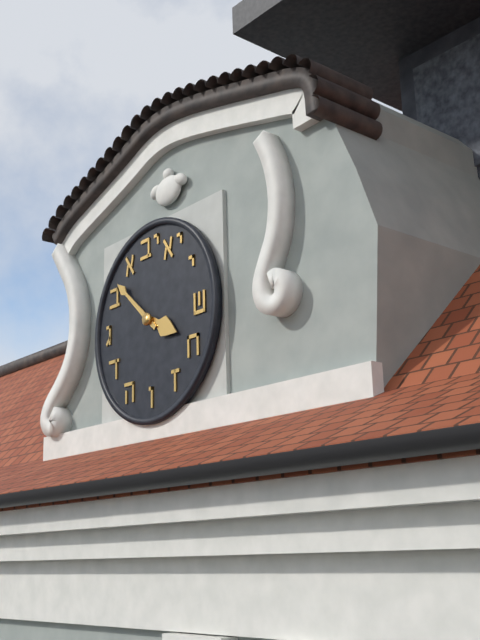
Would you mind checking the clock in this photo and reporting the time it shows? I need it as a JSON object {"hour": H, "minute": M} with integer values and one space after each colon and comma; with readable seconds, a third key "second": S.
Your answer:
{"hour": 3, "minute": 52}
